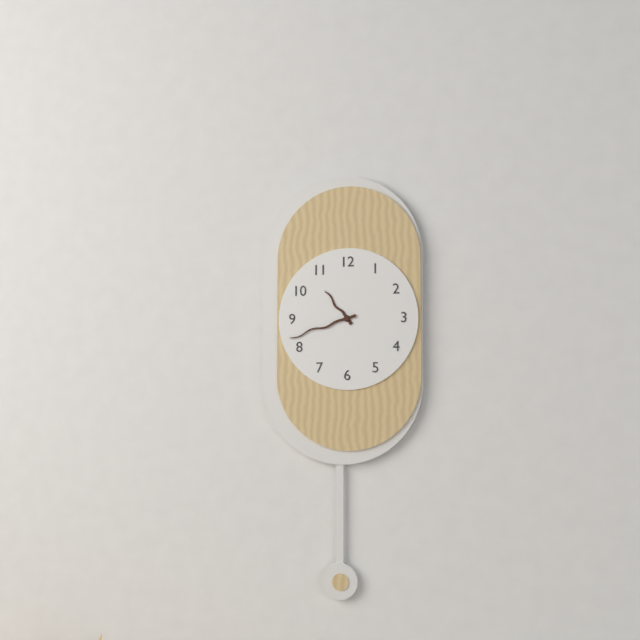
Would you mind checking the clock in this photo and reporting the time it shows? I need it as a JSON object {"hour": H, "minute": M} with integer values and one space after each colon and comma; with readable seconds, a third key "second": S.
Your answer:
{"hour": 10, "minute": 42}
